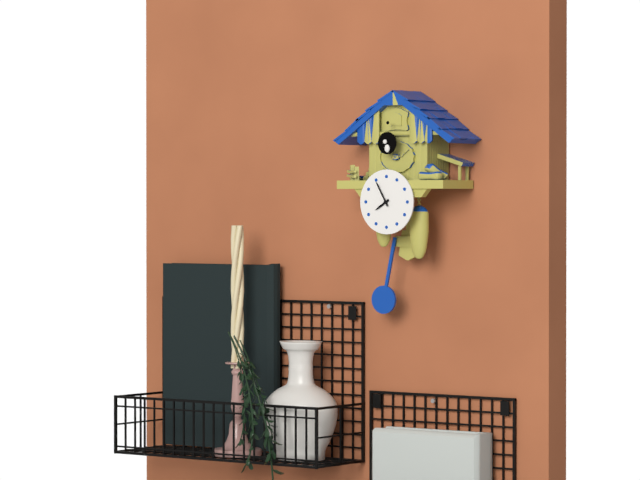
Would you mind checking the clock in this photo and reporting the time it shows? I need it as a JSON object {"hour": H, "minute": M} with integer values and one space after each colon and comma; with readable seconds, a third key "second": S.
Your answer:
{"hour": 7, "minute": 55}
